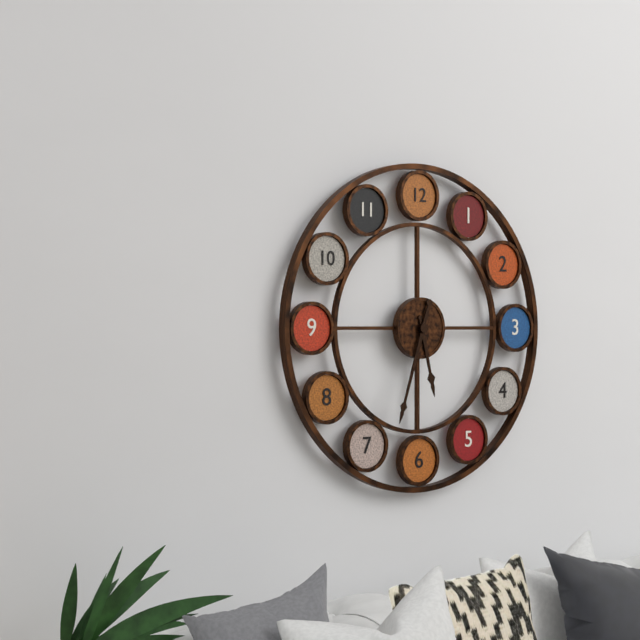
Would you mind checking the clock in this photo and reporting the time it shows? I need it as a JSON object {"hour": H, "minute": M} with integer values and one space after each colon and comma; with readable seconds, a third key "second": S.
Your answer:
{"hour": 5, "minute": 33}
